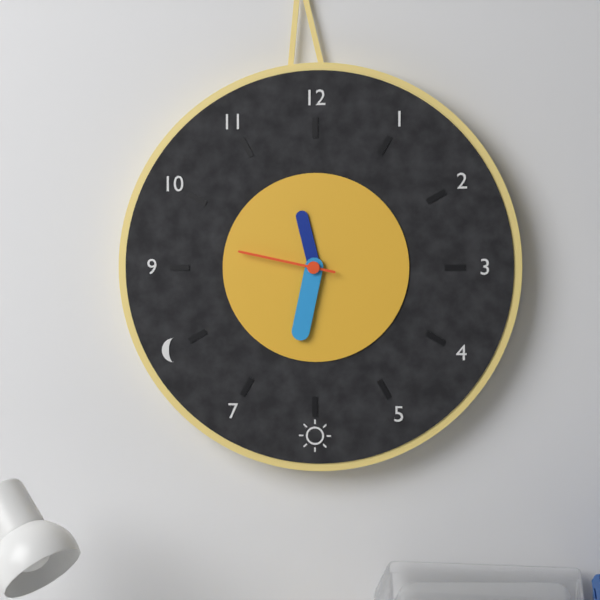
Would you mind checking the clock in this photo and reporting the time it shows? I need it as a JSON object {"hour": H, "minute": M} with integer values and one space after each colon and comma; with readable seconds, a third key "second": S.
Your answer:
{"hour": 11, "minute": 32, "second": 47}
